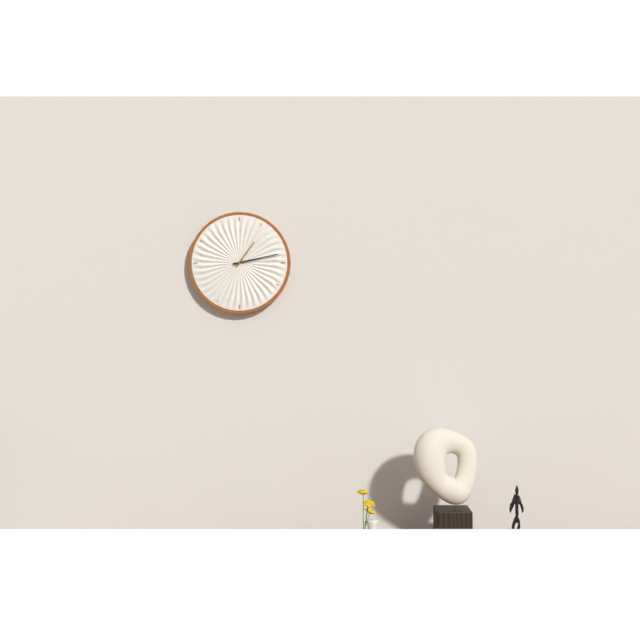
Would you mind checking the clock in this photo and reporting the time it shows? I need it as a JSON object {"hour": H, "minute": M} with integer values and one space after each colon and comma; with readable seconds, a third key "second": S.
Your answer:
{"hour": 1, "minute": 13}
